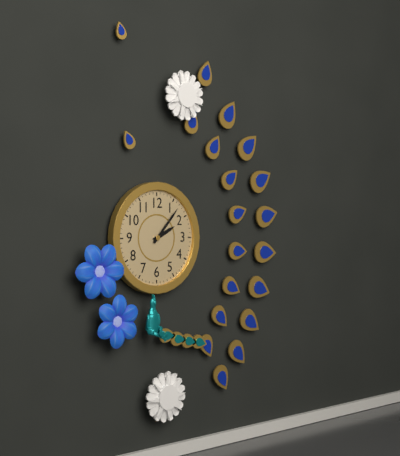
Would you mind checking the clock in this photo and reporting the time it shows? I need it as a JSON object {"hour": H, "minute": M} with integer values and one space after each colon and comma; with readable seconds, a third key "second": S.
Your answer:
{"hour": 2, "minute": 7}
